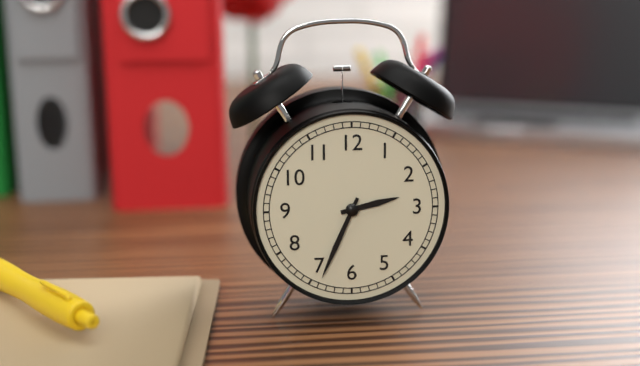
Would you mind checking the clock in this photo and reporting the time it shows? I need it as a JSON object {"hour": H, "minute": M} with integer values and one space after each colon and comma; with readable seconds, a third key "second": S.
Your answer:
{"hour": 2, "minute": 34}
